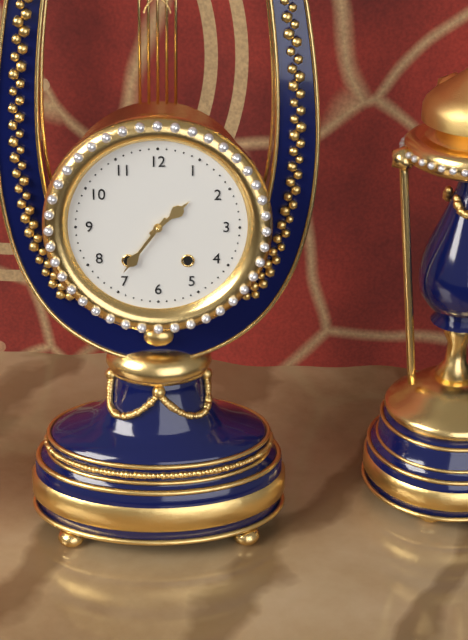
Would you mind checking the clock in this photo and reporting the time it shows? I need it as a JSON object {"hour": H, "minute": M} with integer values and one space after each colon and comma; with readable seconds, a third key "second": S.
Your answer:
{"hour": 1, "minute": 36}
